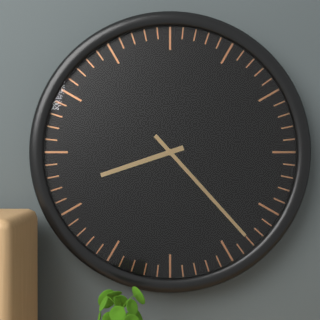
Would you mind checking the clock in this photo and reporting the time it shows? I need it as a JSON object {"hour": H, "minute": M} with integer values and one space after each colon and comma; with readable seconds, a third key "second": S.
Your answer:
{"hour": 8, "minute": 23}
